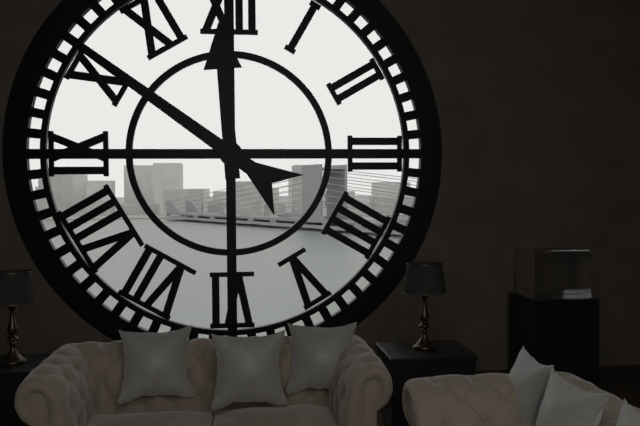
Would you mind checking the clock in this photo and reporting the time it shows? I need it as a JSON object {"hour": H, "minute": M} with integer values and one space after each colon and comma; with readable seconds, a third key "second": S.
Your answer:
{"hour": 11, "minute": 51}
